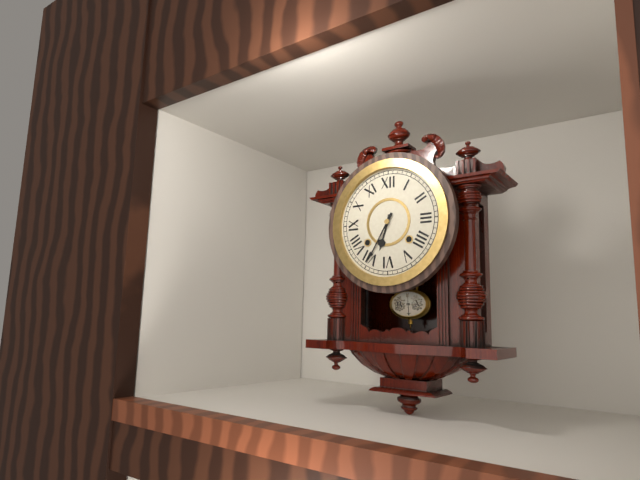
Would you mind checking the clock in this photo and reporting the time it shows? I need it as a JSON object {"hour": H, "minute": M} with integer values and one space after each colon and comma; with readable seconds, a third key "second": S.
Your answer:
{"hour": 6, "minute": 35}
